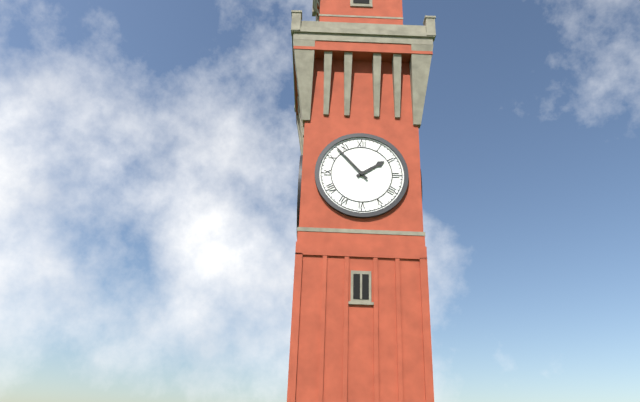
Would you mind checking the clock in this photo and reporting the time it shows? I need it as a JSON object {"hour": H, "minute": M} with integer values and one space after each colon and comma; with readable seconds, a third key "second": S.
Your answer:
{"hour": 1, "minute": 53}
